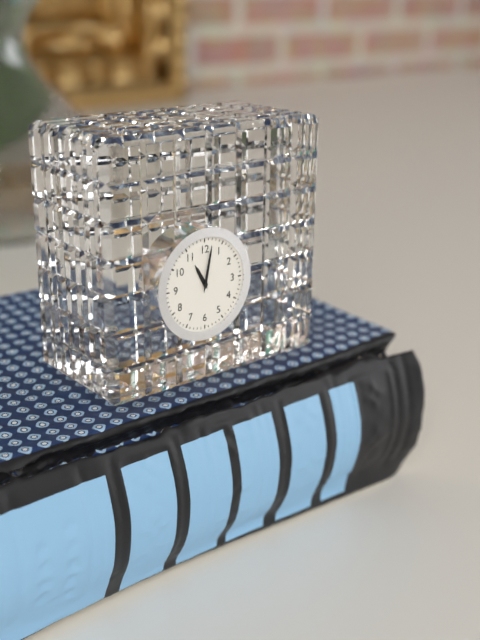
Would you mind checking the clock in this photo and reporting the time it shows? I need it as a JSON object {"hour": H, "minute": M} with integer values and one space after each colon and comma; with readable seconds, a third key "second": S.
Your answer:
{"hour": 11, "minute": 2}
